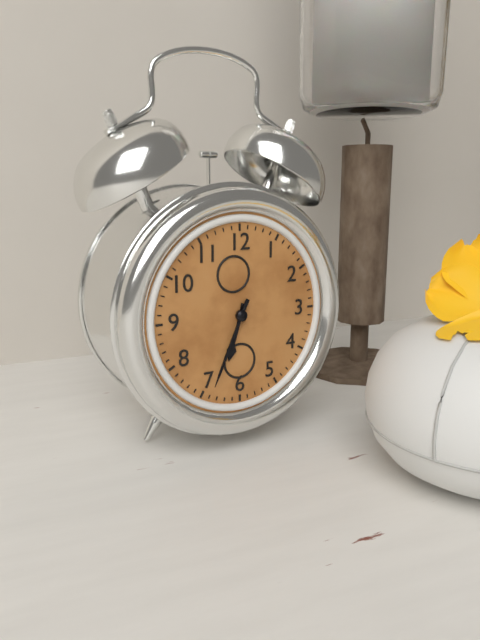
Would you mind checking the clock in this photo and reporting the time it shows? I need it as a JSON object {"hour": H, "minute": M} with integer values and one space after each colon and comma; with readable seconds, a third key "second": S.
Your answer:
{"hour": 6, "minute": 34}
